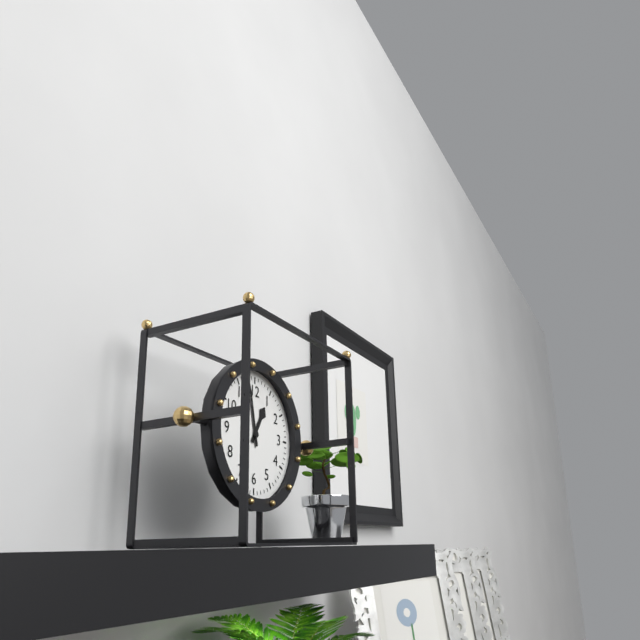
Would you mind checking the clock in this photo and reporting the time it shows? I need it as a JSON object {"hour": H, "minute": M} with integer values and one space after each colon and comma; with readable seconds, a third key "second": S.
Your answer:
{"hour": 12, "minute": 58}
